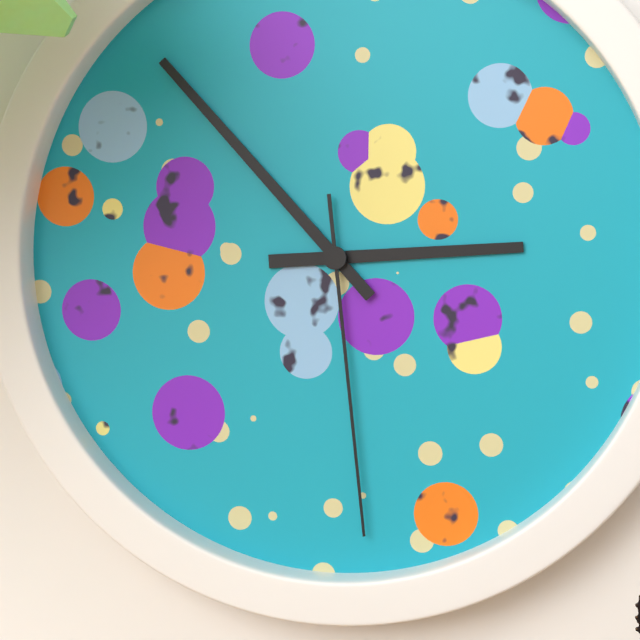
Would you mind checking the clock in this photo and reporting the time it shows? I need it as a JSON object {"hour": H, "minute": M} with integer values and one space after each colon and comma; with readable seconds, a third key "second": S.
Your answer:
{"hour": 2, "minute": 53, "second": 29}
